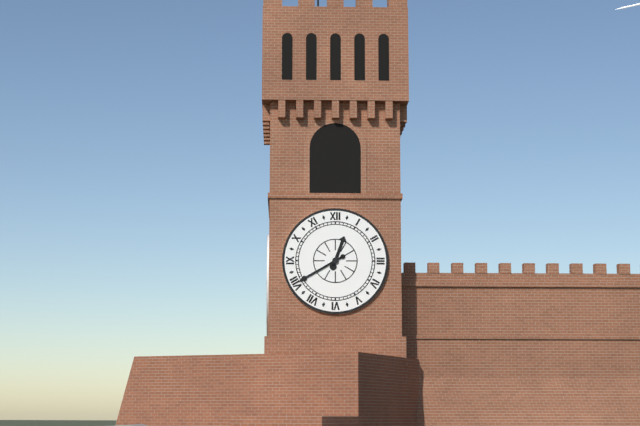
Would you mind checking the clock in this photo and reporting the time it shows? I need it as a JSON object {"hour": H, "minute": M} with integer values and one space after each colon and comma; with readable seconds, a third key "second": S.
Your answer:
{"hour": 12, "minute": 40}
